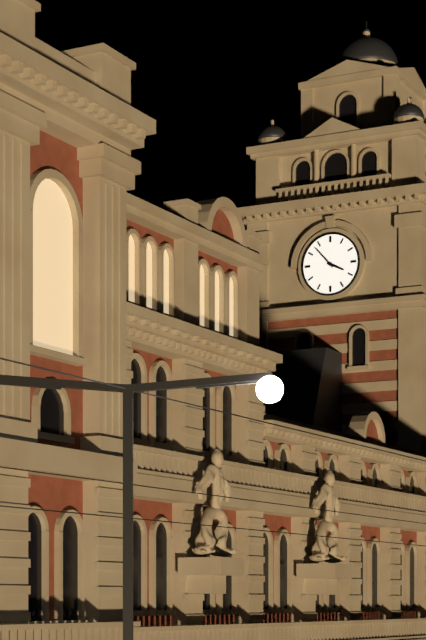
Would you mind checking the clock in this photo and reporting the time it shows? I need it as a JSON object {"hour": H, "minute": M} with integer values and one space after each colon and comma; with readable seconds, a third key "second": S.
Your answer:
{"hour": 3, "minute": 53}
